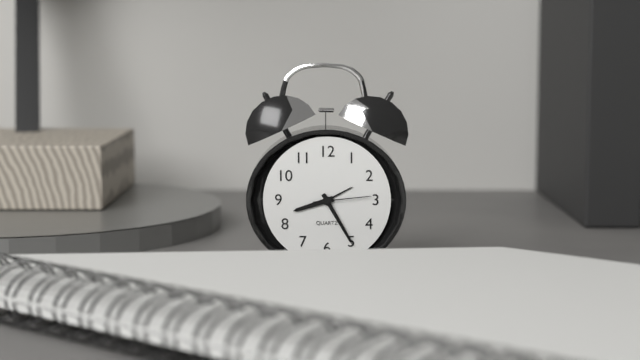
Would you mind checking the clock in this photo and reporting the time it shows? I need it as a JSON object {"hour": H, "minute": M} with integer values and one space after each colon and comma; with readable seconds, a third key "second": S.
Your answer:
{"hour": 8, "minute": 25, "second": 14}
